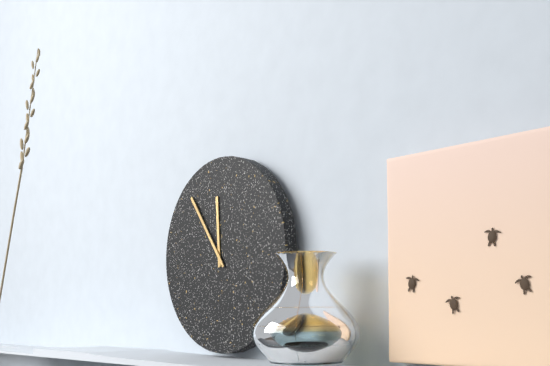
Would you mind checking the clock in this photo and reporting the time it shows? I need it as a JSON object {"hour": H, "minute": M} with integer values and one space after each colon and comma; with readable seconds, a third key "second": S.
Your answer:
{"hour": 11, "minute": 54}
